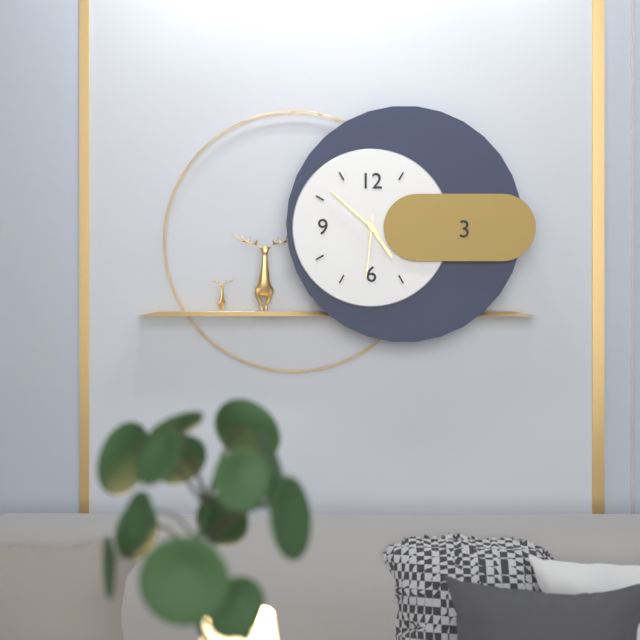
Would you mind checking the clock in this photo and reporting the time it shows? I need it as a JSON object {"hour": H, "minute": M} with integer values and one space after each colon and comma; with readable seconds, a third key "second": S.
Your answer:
{"hour": 4, "minute": 52, "second": 31}
